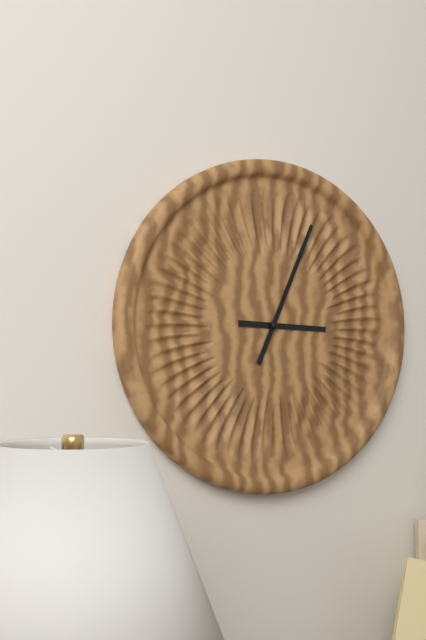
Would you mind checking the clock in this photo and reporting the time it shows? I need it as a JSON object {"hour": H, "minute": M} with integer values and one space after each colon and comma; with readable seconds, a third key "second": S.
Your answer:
{"hour": 3, "minute": 4}
